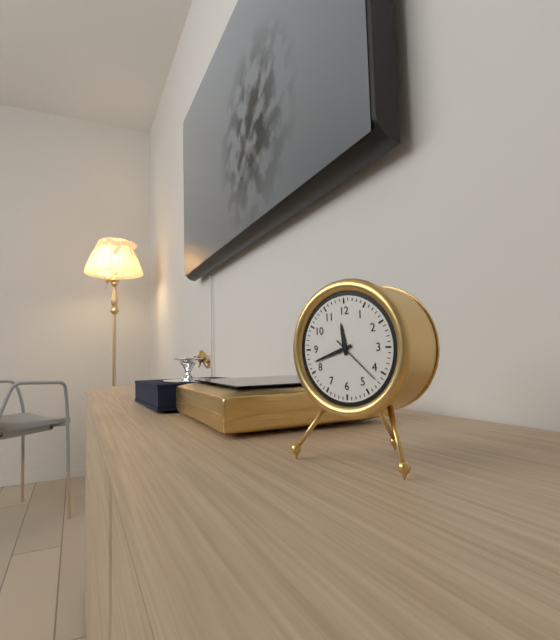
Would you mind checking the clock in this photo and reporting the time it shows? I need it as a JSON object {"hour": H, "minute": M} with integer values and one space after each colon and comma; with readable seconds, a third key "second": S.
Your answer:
{"hour": 11, "minute": 42, "second": 22}
